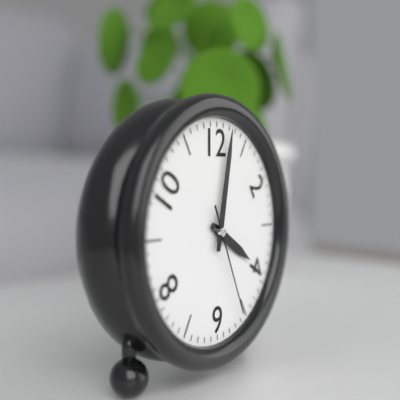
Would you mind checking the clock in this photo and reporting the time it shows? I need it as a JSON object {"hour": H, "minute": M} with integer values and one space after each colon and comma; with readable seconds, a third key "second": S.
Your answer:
{"hour": 4, "minute": 2, "second": 26}
